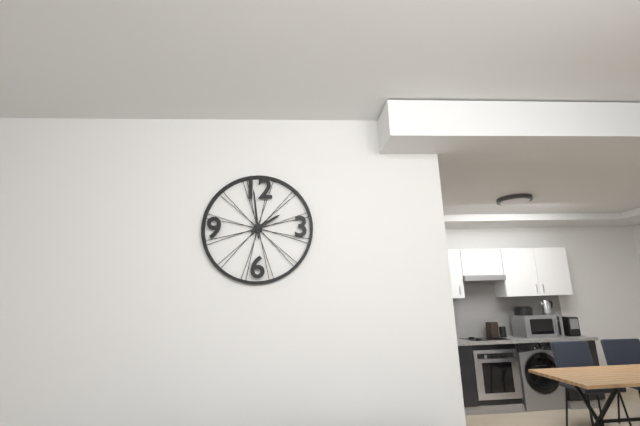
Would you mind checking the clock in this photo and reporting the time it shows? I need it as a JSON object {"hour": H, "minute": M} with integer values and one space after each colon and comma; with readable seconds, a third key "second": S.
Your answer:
{"hour": 1, "minute": 59}
